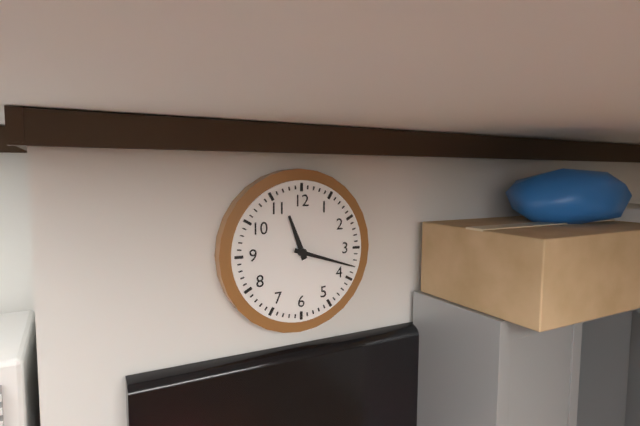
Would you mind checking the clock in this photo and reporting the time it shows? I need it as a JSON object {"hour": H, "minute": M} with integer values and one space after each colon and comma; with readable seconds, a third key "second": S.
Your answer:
{"hour": 11, "minute": 18}
